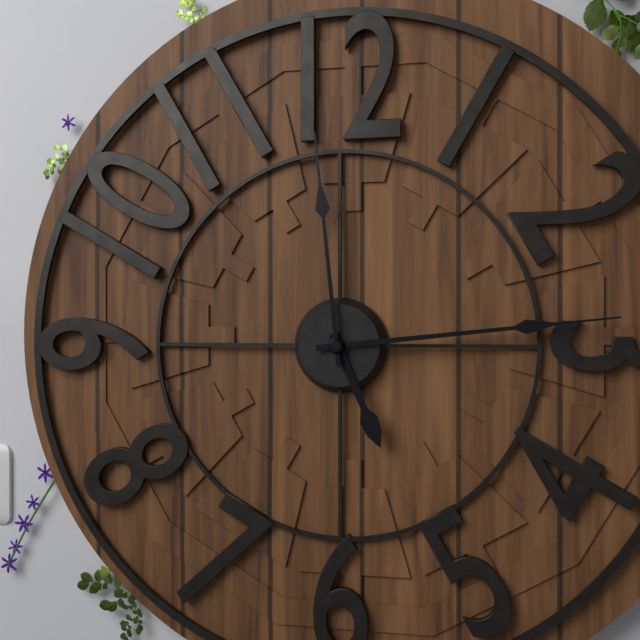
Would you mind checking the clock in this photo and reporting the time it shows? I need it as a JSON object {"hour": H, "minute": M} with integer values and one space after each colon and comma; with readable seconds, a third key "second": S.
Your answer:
{"hour": 5, "minute": 14, "second": 59}
